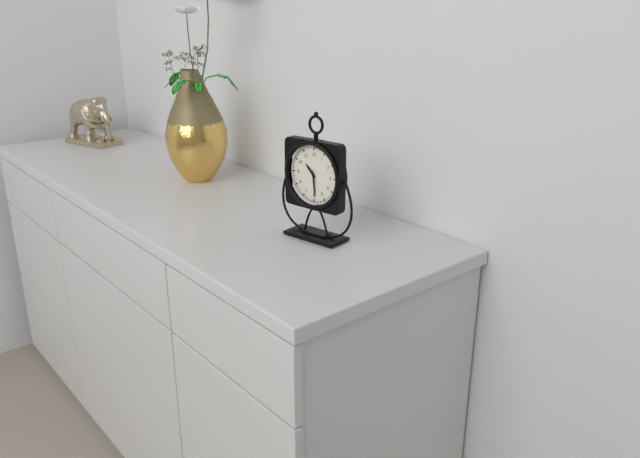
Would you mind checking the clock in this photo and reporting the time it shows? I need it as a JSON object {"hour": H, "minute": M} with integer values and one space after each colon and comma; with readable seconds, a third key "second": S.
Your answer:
{"hour": 10, "minute": 29}
